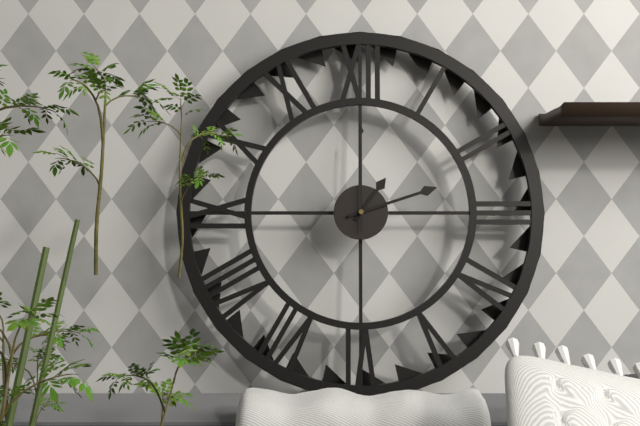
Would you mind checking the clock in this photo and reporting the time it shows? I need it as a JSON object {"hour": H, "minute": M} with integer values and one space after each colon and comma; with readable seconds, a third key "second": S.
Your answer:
{"hour": 1, "minute": 12, "second": 0}
